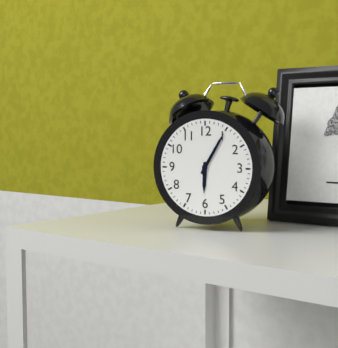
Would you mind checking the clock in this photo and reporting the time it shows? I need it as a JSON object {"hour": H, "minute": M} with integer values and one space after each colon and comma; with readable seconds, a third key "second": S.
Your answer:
{"hour": 6, "minute": 5}
